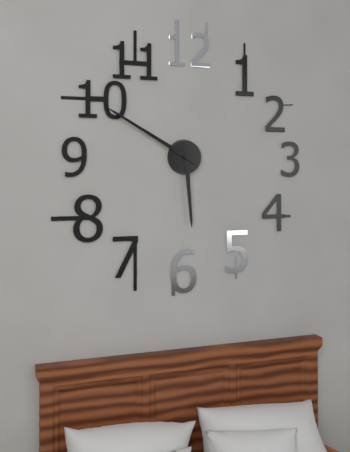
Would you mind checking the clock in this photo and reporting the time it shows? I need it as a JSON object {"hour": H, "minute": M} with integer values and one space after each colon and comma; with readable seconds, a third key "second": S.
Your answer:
{"hour": 5, "minute": 50}
